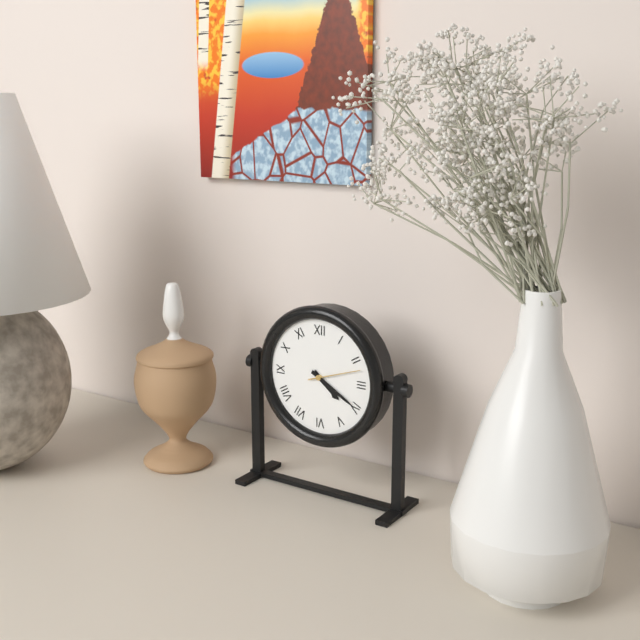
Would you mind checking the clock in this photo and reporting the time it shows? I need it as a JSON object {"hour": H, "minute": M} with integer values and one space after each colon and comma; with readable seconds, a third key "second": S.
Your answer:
{"hour": 4, "minute": 20, "second": 12}
